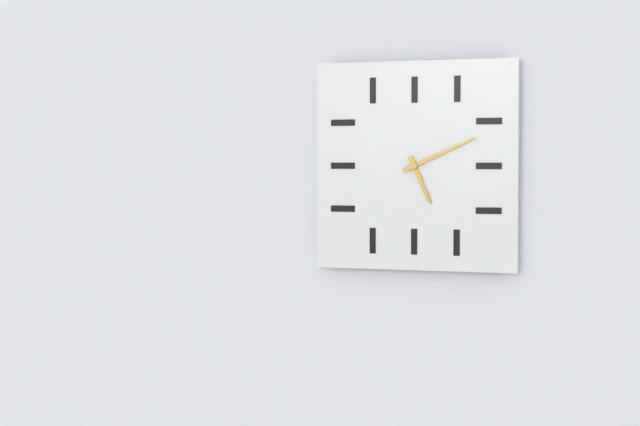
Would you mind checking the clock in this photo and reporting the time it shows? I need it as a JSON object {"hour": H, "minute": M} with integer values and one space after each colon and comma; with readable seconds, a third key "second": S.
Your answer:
{"hour": 5, "minute": 11}
